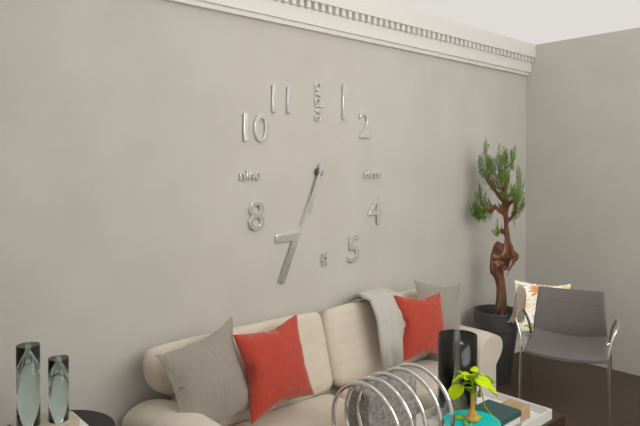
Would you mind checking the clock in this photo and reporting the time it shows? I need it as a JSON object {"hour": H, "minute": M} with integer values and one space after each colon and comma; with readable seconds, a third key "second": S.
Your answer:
{"hour": 6, "minute": 34}
